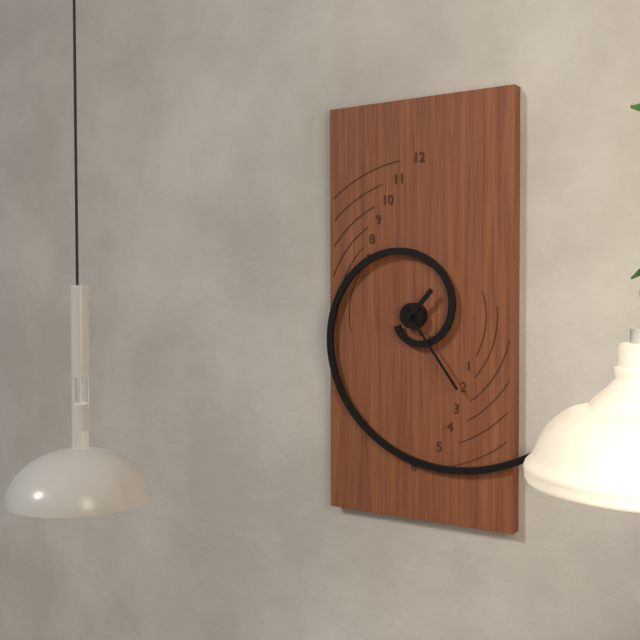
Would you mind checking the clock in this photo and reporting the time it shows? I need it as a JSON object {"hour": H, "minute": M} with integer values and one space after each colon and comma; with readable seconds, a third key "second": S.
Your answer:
{"hour": 1, "minute": 24}
